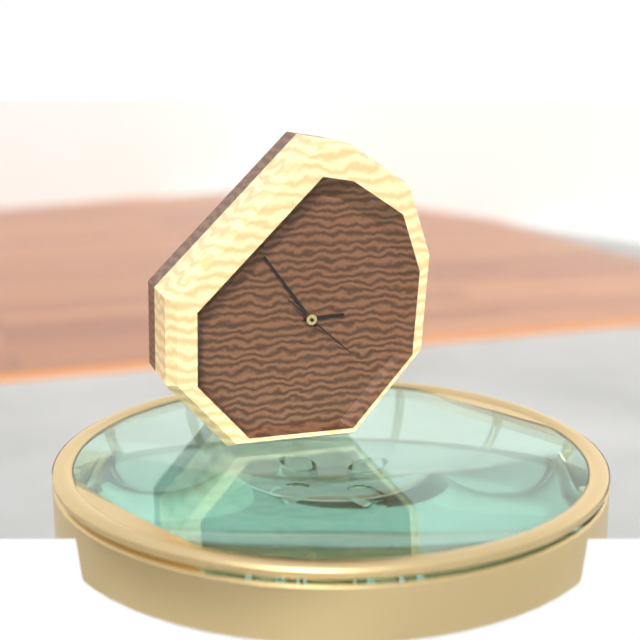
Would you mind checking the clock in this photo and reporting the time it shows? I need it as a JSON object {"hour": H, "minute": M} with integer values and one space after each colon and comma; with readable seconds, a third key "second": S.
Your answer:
{"hour": 2, "minute": 54, "second": 22}
